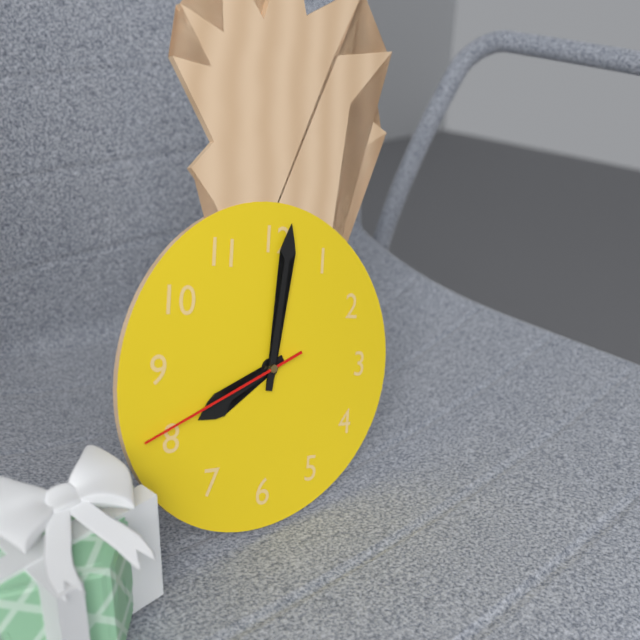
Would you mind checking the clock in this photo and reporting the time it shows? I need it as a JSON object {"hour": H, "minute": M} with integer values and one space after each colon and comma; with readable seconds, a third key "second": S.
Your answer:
{"hour": 8, "minute": 1, "second": 41}
